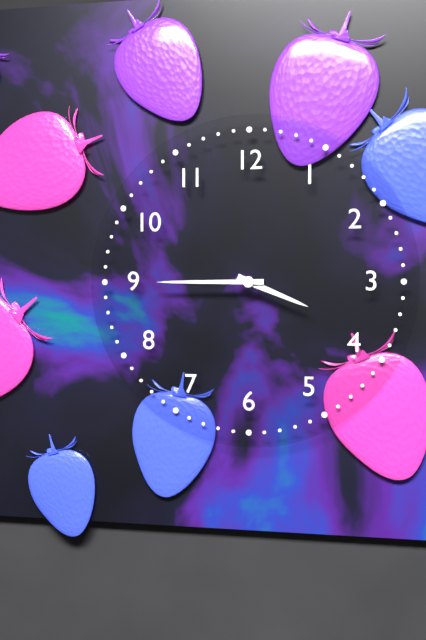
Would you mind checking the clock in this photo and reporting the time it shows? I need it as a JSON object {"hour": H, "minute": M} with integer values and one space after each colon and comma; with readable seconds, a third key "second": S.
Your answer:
{"hour": 3, "minute": 45}
